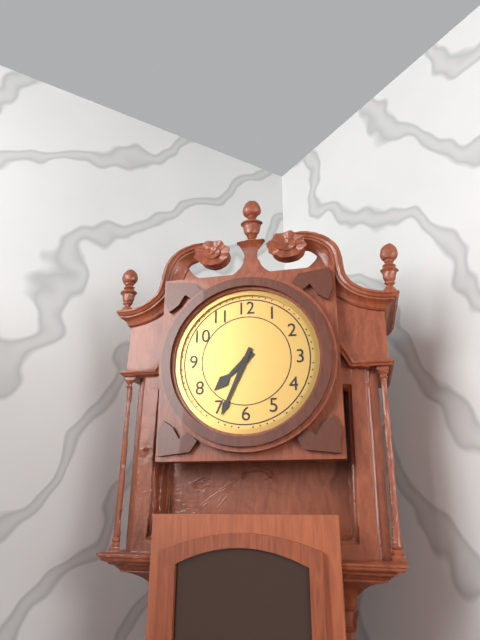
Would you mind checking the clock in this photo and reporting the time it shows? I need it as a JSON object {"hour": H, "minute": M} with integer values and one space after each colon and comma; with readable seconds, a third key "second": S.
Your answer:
{"hour": 7, "minute": 34}
